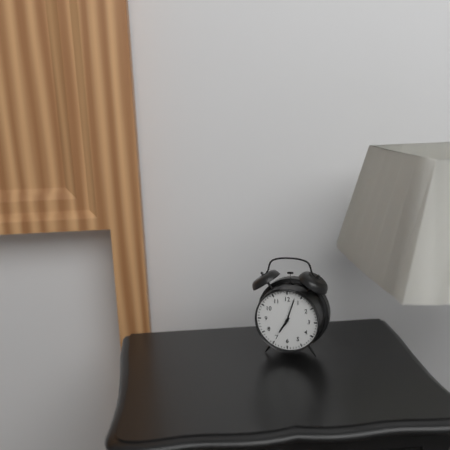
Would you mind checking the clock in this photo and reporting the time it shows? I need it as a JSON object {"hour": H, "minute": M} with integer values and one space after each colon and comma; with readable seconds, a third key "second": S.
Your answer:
{"hour": 7, "minute": 3}
